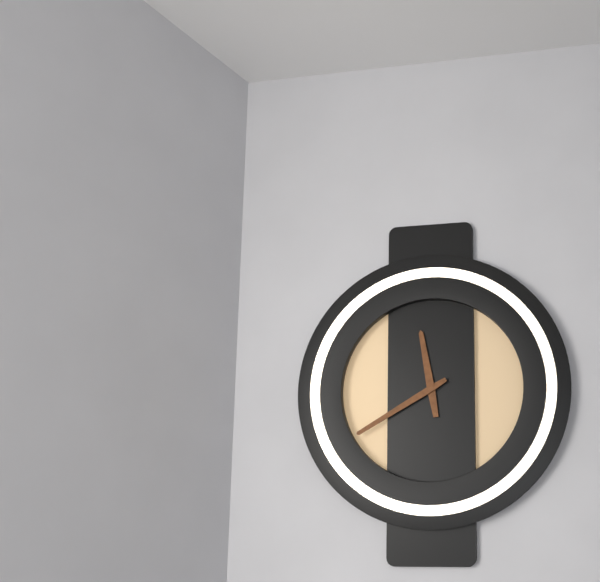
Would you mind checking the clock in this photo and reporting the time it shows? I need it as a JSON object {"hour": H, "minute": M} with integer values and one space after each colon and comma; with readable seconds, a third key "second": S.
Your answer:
{"hour": 11, "minute": 40}
